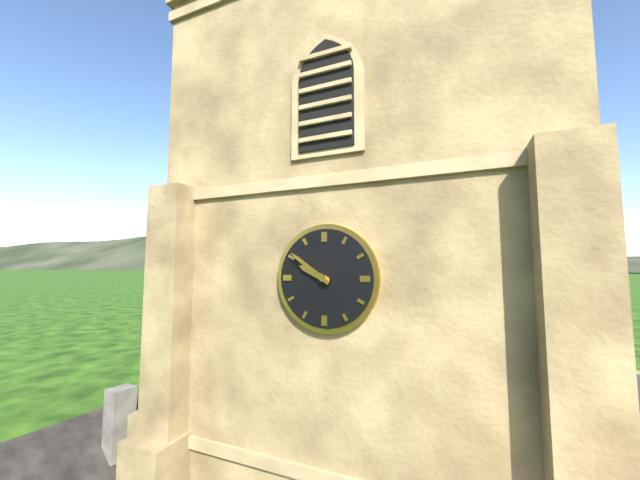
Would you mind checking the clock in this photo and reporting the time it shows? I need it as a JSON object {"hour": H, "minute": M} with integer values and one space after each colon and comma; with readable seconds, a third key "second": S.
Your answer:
{"hour": 9, "minute": 51}
